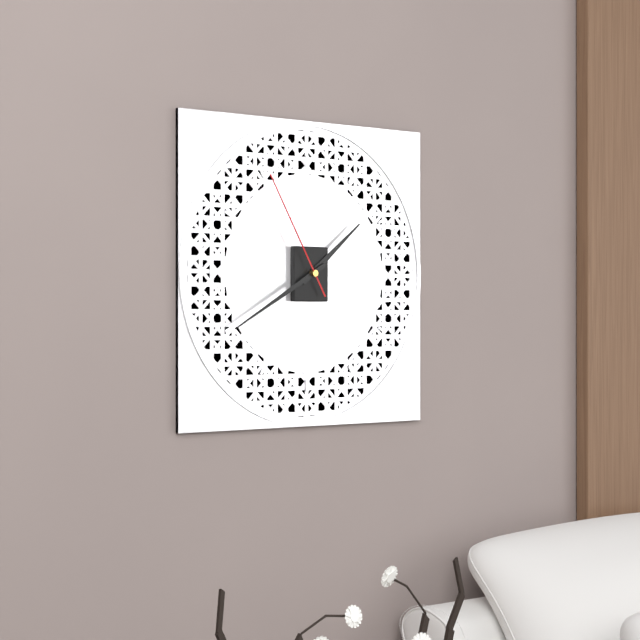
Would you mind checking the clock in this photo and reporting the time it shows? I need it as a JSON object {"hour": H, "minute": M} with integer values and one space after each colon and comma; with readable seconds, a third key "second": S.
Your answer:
{"hour": 1, "minute": 40, "second": 55}
